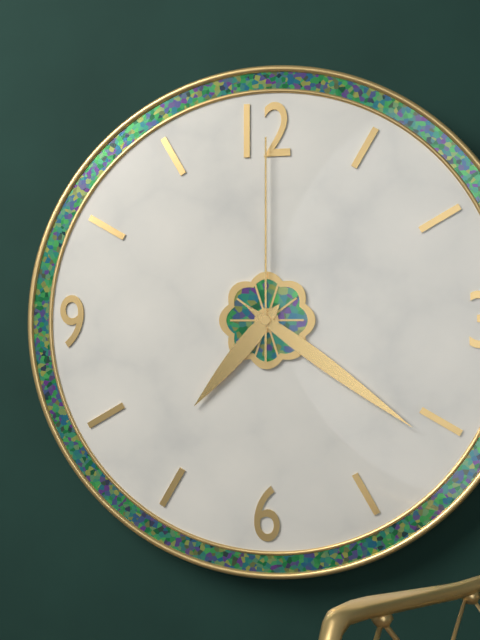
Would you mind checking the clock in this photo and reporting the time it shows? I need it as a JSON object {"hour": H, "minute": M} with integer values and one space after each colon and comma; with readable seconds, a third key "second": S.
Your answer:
{"hour": 7, "minute": 21, "second": 0}
